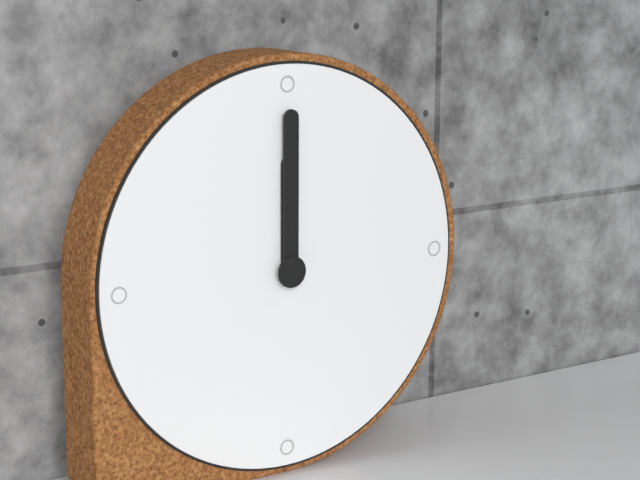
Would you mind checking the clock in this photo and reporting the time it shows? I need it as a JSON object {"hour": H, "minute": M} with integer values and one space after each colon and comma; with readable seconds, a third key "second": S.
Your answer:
{"hour": 12, "minute": 0}
